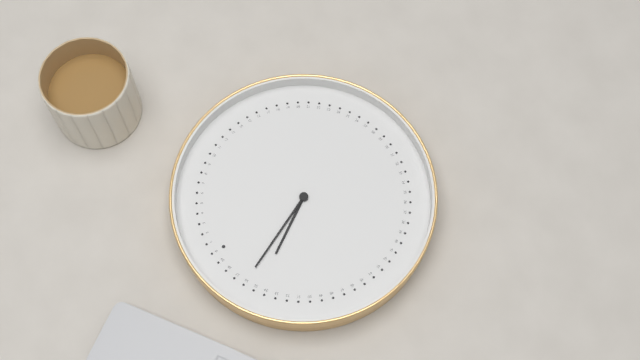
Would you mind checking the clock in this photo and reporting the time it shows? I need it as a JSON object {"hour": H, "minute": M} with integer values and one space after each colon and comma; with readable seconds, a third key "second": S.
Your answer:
{"hour": 10, "minute": 56}
